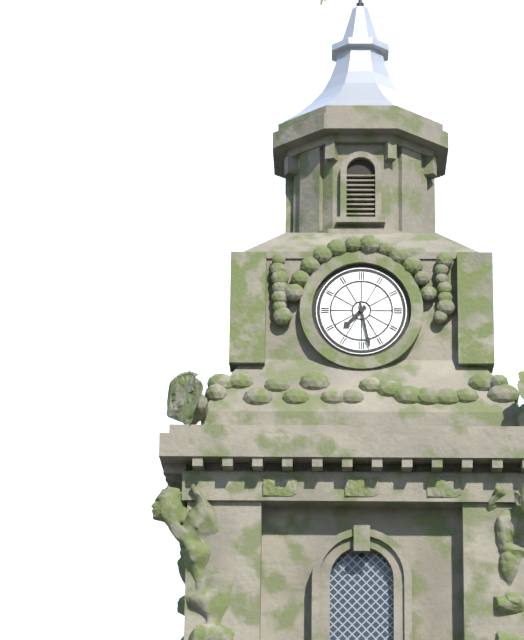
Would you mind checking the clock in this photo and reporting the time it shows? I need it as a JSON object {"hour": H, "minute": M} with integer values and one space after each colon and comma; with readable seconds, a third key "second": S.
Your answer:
{"hour": 7, "minute": 28}
